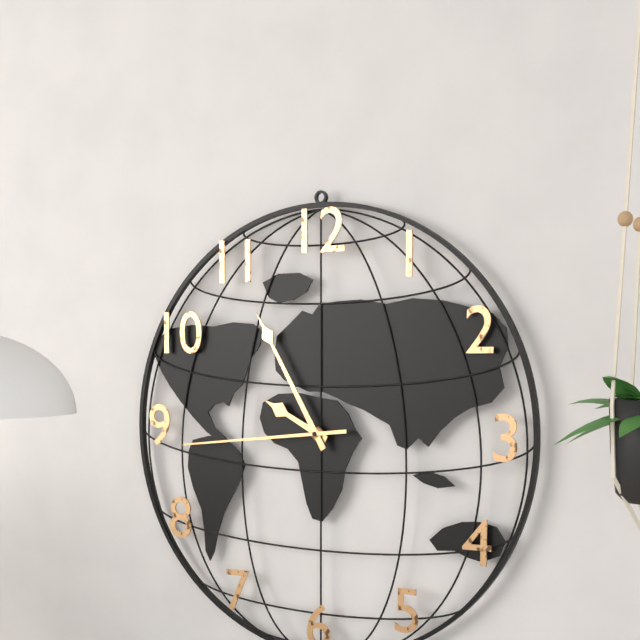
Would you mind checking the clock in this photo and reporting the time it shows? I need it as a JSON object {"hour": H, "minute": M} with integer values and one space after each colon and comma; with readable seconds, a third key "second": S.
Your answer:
{"hour": 9, "minute": 55, "second": 44}
